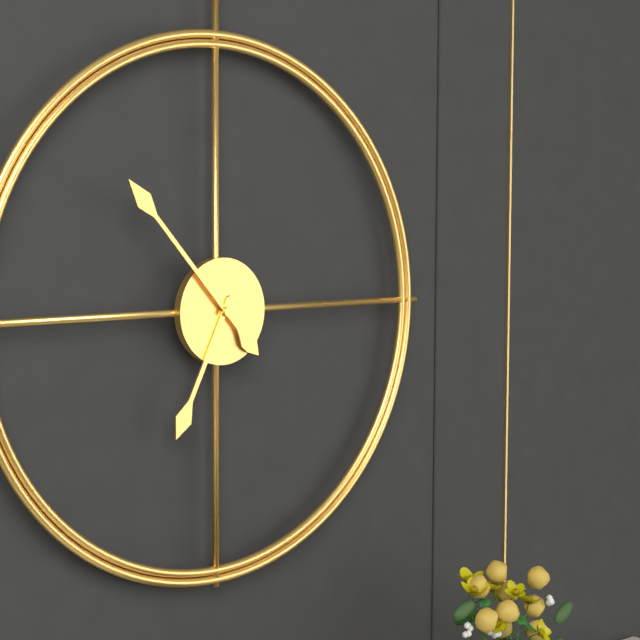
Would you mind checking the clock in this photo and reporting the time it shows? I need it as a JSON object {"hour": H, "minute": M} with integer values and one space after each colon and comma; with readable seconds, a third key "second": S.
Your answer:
{"hour": 6, "minute": 53}
